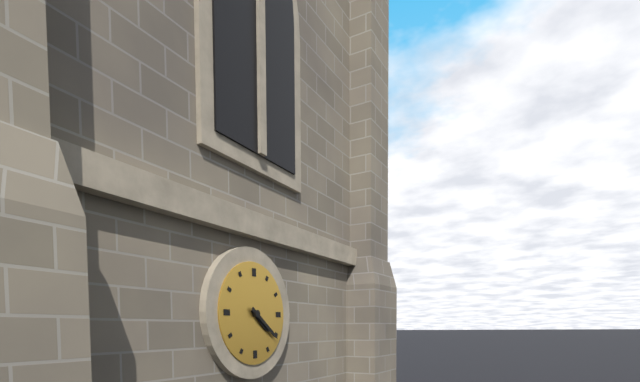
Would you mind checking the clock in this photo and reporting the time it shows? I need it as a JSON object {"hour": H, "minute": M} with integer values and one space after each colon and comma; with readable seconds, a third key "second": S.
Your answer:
{"hour": 4, "minute": 21}
